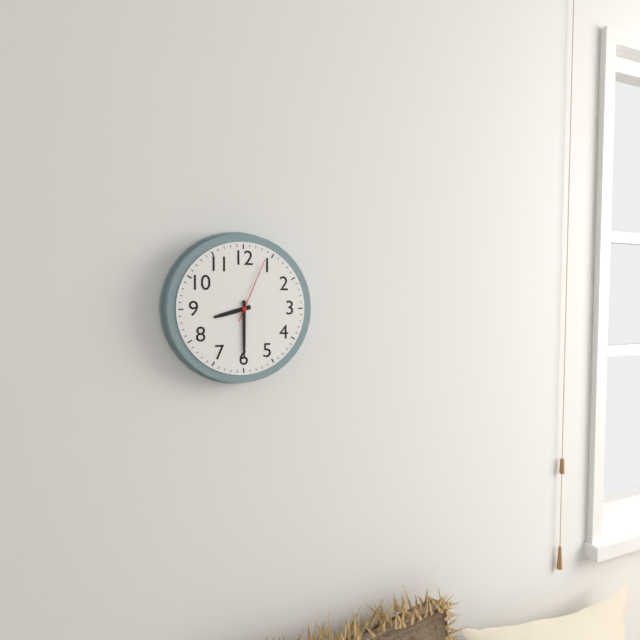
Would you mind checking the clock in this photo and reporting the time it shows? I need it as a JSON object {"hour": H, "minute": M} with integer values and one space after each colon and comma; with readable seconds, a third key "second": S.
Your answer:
{"hour": 8, "minute": 30, "second": 4}
